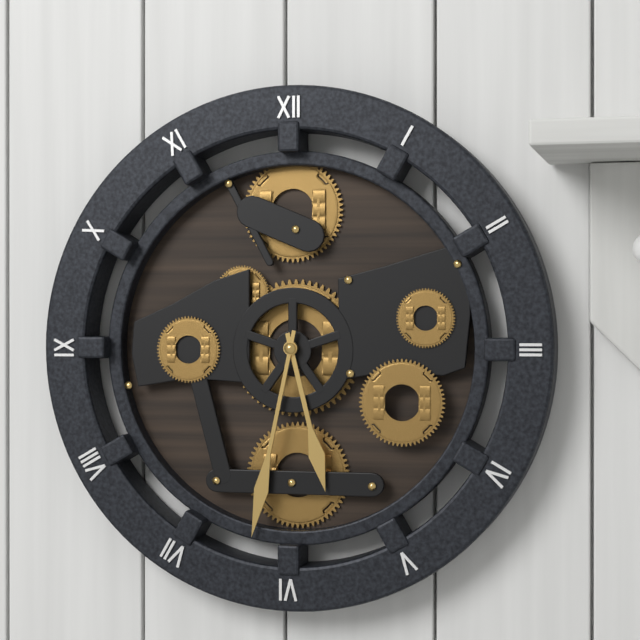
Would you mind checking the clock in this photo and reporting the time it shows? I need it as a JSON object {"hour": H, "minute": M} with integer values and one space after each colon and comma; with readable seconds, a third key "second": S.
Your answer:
{"hour": 5, "minute": 32}
